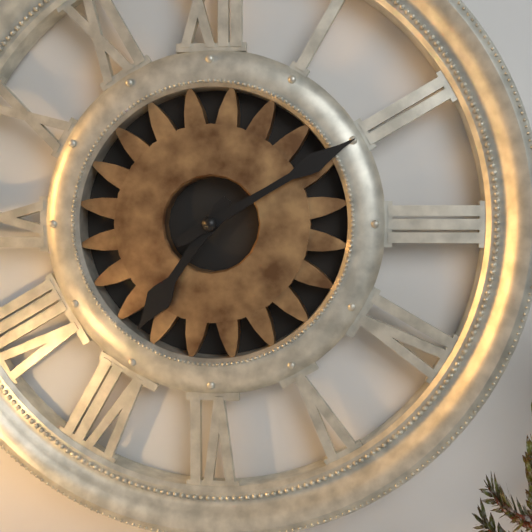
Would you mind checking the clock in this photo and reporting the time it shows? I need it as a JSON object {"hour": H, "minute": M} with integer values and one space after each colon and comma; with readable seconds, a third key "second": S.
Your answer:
{"hour": 7, "minute": 10}
